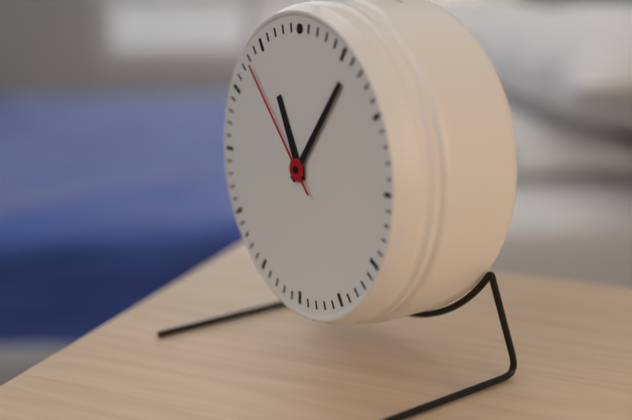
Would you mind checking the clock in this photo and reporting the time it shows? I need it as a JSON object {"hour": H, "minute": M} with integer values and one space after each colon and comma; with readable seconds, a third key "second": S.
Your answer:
{"hour": 11, "minute": 6, "second": 53}
